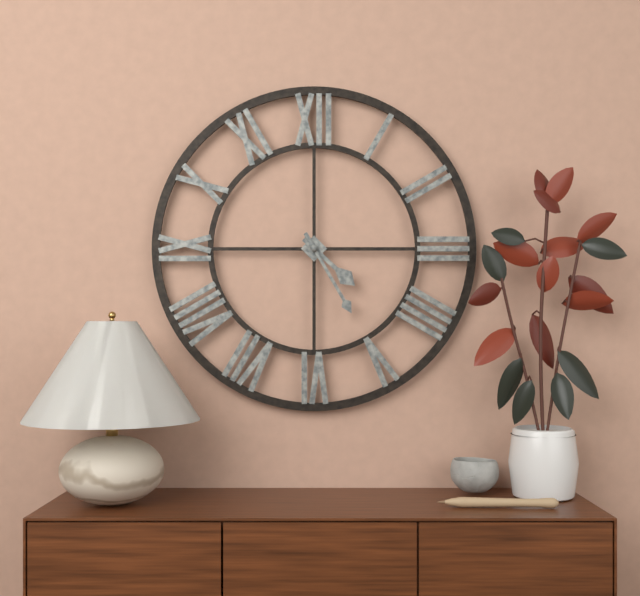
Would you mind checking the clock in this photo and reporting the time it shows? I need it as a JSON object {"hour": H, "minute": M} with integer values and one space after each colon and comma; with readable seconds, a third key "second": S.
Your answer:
{"hour": 4, "minute": 25}
